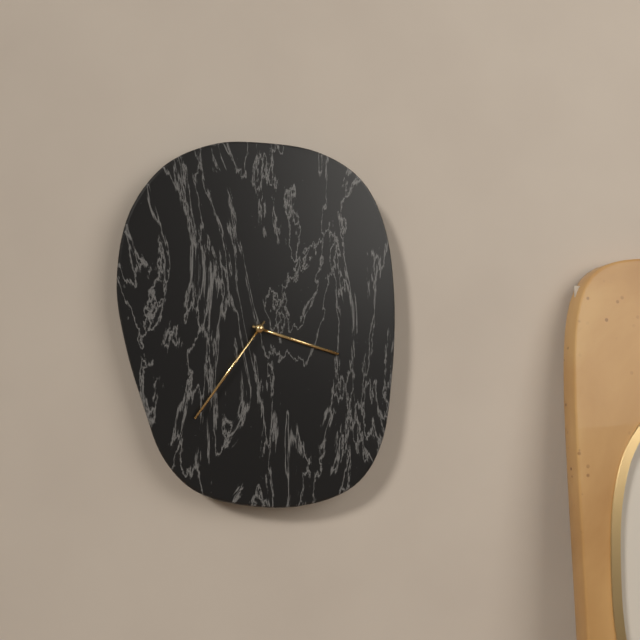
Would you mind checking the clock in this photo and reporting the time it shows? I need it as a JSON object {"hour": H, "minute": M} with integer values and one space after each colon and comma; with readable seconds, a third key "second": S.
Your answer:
{"hour": 3, "minute": 36}
